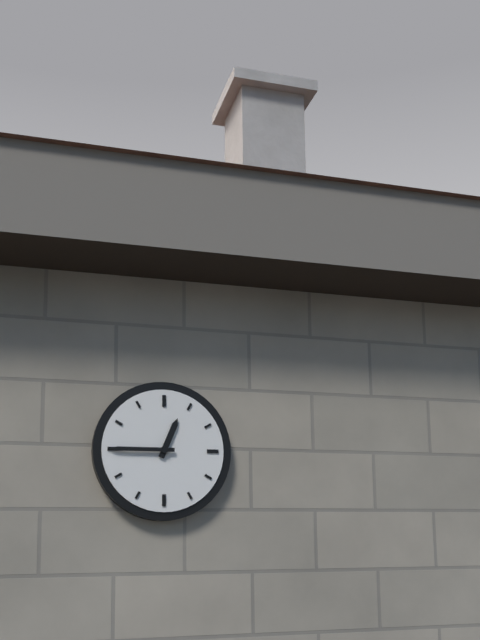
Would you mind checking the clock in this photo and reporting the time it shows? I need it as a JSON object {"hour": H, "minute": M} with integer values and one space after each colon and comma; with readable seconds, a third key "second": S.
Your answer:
{"hour": 12, "minute": 45}
